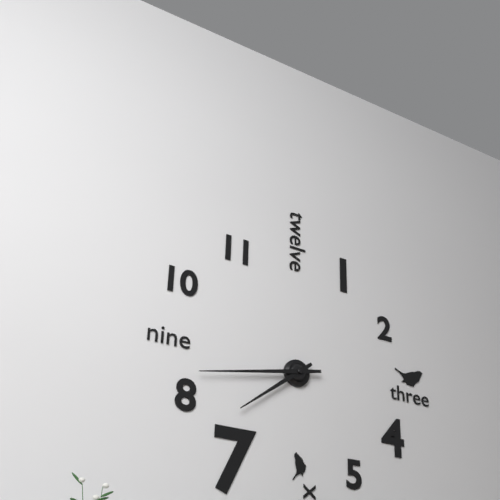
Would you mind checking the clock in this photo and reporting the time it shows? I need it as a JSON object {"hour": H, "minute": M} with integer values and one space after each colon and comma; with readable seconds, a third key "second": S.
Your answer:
{"hour": 7, "minute": 43}
